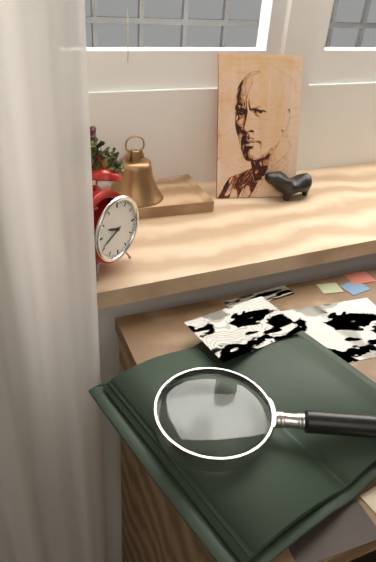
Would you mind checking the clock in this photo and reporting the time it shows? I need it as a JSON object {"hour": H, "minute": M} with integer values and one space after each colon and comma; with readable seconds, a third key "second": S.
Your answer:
{"hour": 9, "minute": 41}
